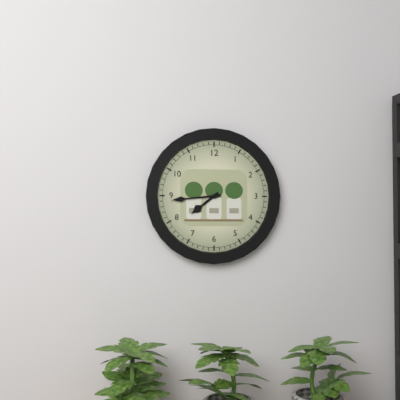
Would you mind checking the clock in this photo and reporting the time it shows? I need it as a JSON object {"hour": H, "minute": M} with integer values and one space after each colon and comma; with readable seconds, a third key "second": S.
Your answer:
{"hour": 7, "minute": 44}
